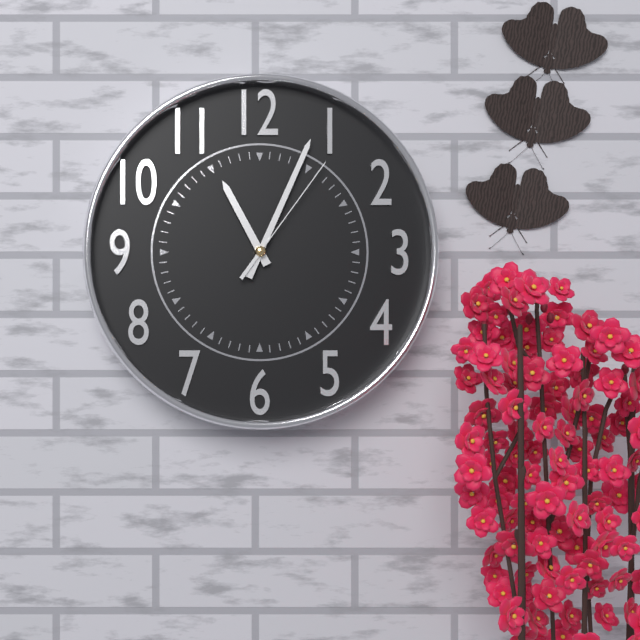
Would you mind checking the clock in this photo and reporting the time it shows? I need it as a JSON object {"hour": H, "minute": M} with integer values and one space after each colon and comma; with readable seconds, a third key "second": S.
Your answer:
{"hour": 11, "minute": 4, "second": 6}
